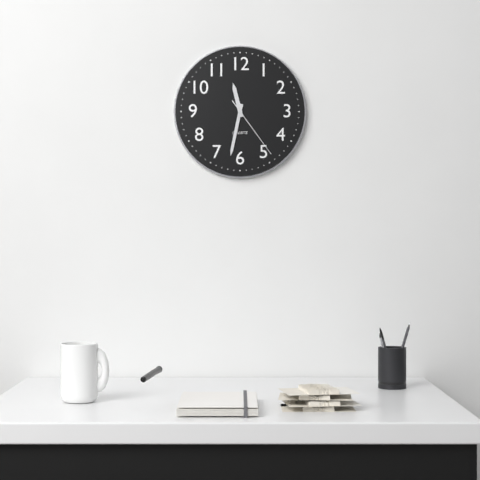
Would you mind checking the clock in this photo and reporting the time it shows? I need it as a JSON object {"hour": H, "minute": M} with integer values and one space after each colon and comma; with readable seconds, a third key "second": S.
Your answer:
{"hour": 11, "minute": 32, "second": 24}
